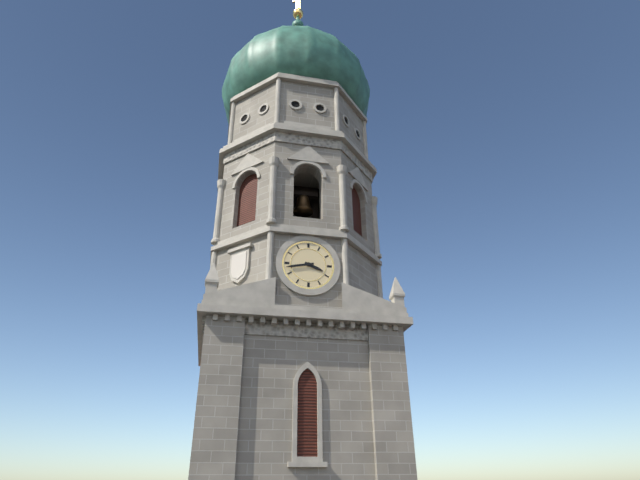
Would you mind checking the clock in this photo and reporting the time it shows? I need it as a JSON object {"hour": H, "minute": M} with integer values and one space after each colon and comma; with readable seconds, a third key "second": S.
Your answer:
{"hour": 3, "minute": 43}
